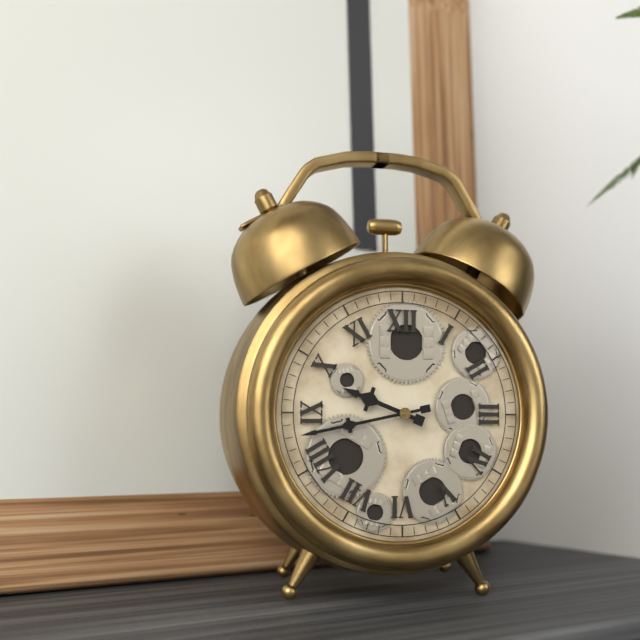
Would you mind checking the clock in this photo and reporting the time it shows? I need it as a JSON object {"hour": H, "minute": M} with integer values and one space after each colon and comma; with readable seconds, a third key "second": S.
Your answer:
{"hour": 9, "minute": 43}
